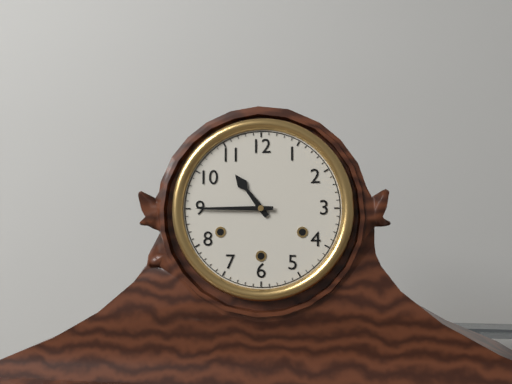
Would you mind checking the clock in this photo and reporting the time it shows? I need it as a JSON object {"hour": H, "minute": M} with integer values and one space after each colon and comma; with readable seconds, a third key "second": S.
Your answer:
{"hour": 10, "minute": 45}
